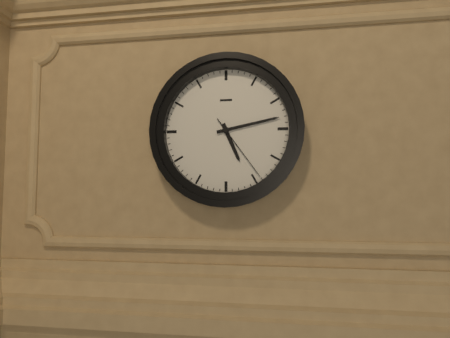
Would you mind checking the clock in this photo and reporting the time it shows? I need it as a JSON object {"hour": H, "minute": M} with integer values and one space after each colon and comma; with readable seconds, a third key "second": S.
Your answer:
{"hour": 5, "minute": 13, "second": 24}
